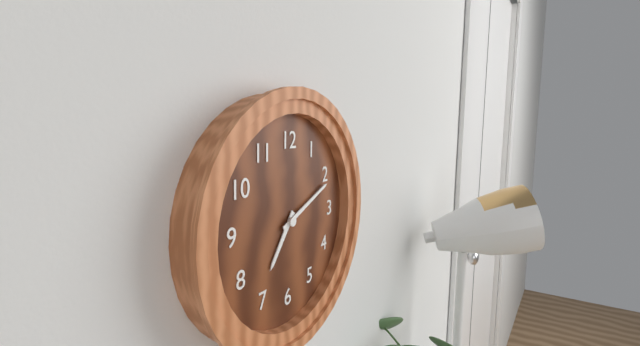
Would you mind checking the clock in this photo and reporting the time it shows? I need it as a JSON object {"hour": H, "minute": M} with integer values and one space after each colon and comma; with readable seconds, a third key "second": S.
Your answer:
{"hour": 7, "minute": 11}
